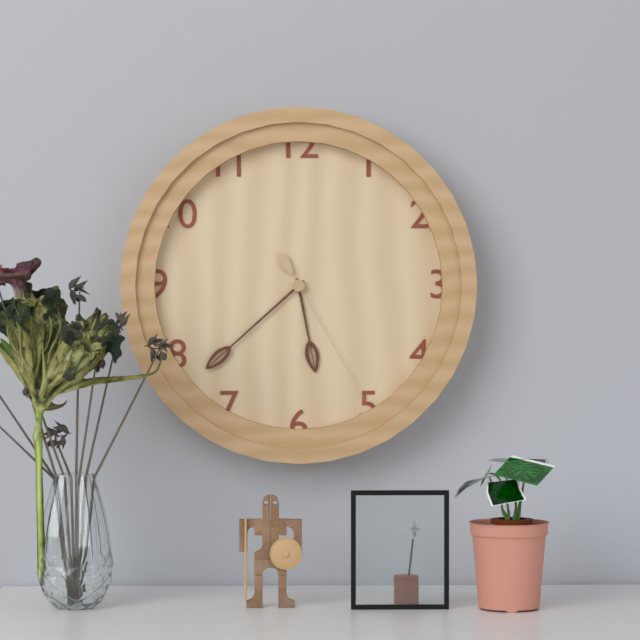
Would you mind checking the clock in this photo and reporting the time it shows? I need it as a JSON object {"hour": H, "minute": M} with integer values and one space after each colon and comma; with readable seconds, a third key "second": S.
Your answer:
{"hour": 5, "minute": 38, "second": 25}
